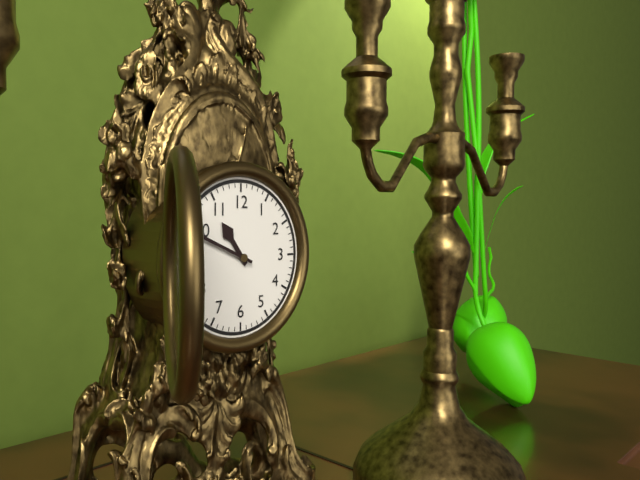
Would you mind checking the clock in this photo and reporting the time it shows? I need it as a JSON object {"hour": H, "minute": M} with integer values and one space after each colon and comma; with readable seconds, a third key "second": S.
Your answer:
{"hour": 10, "minute": 49}
